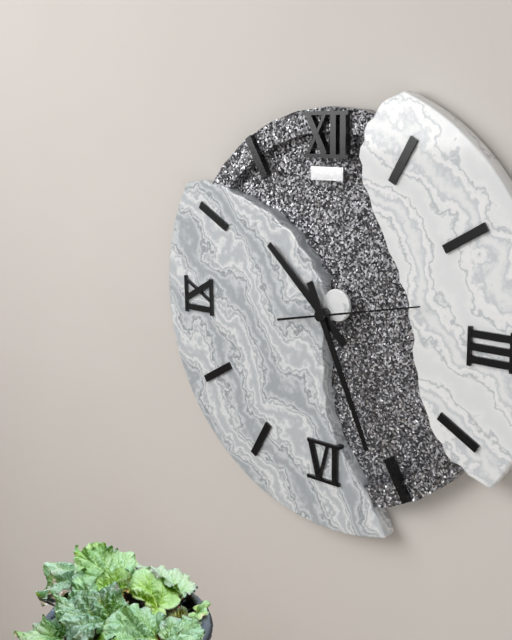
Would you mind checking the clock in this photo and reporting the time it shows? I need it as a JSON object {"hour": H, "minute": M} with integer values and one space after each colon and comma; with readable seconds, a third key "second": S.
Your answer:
{"hour": 10, "minute": 26, "second": 13}
